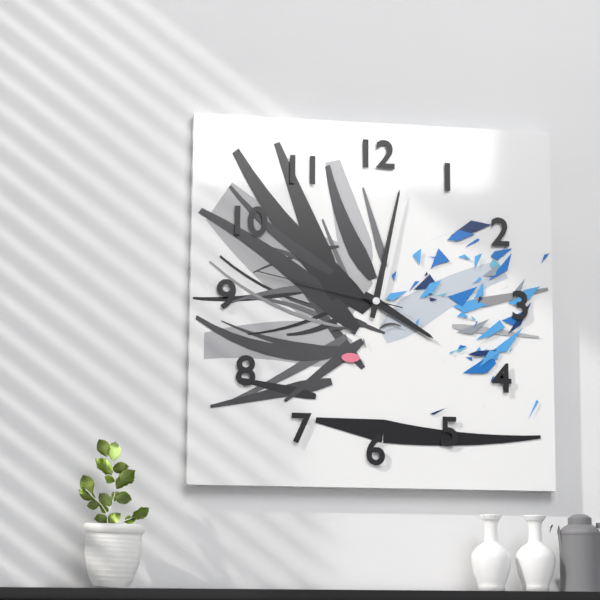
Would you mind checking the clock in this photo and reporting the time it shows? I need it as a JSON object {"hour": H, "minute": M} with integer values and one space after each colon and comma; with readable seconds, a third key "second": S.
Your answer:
{"hour": 4, "minute": 2, "second": 47}
